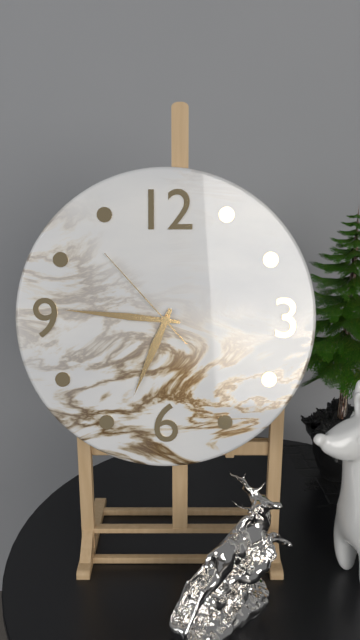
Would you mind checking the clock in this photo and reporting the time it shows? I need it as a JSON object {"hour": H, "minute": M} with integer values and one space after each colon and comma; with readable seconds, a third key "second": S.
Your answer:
{"hour": 6, "minute": 46, "second": 53}
